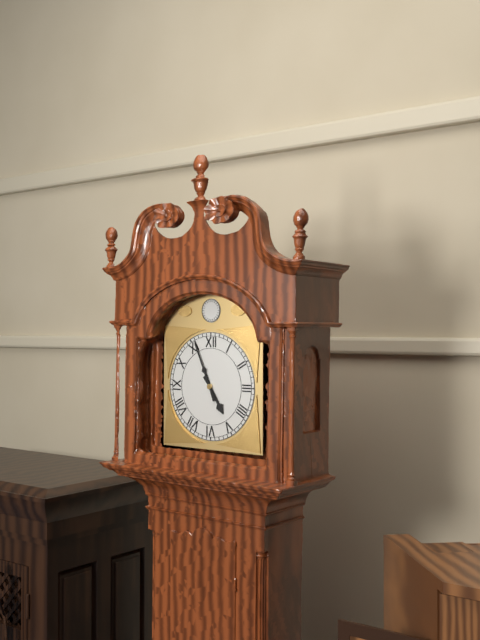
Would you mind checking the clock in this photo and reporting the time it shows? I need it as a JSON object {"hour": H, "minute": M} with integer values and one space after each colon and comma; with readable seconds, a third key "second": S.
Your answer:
{"hour": 4, "minute": 56}
